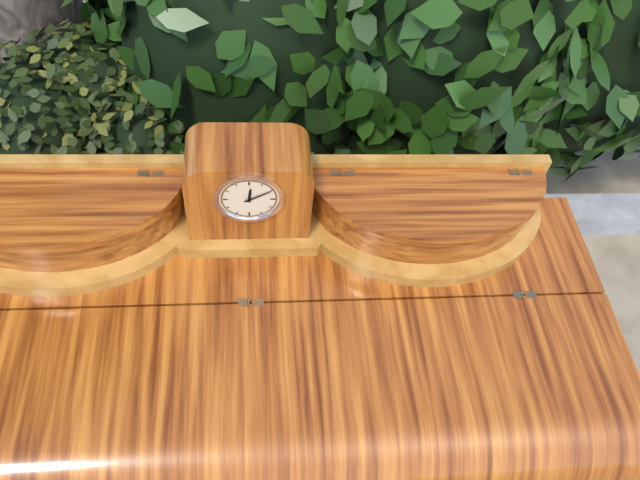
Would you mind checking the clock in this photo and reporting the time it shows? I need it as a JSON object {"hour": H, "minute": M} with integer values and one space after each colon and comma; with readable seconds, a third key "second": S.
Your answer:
{"hour": 12, "minute": 10}
